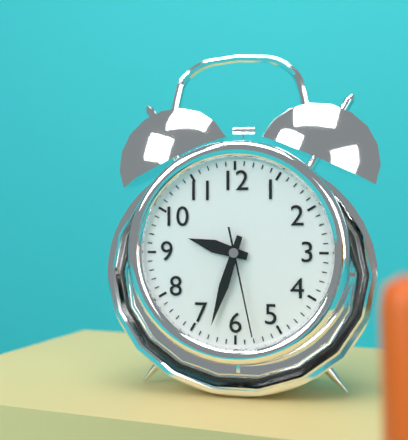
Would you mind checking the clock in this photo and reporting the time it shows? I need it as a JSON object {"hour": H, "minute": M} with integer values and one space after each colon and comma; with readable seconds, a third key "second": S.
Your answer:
{"hour": 9, "minute": 33, "second": 28}
